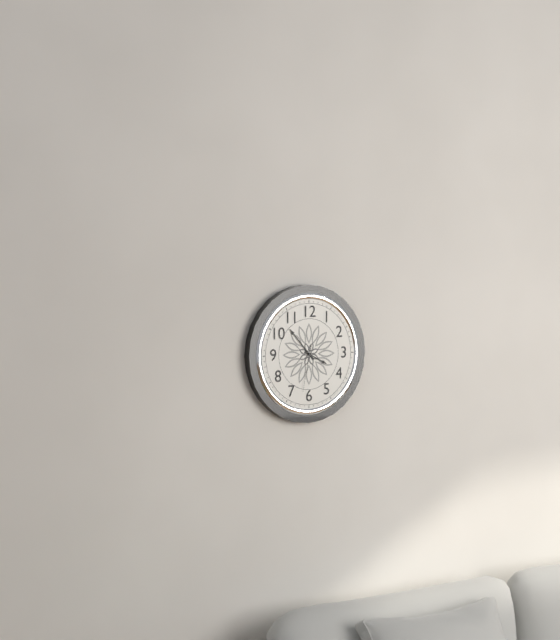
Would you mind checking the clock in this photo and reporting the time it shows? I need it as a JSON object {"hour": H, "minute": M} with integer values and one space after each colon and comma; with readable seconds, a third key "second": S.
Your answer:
{"hour": 3, "minute": 53}
